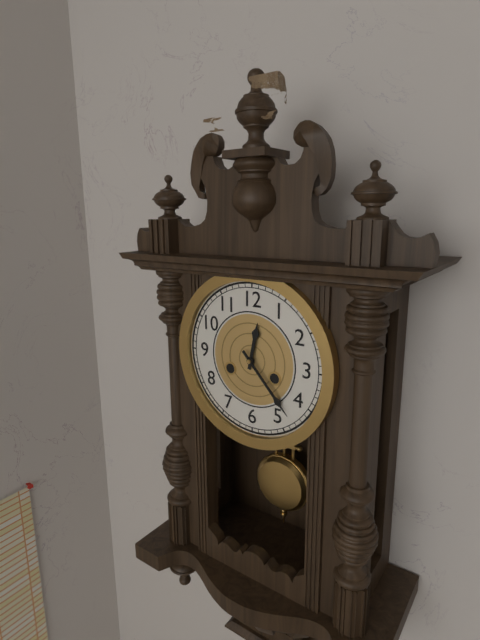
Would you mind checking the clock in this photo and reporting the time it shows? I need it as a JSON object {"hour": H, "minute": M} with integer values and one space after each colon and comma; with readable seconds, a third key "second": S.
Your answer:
{"hour": 12, "minute": 23}
